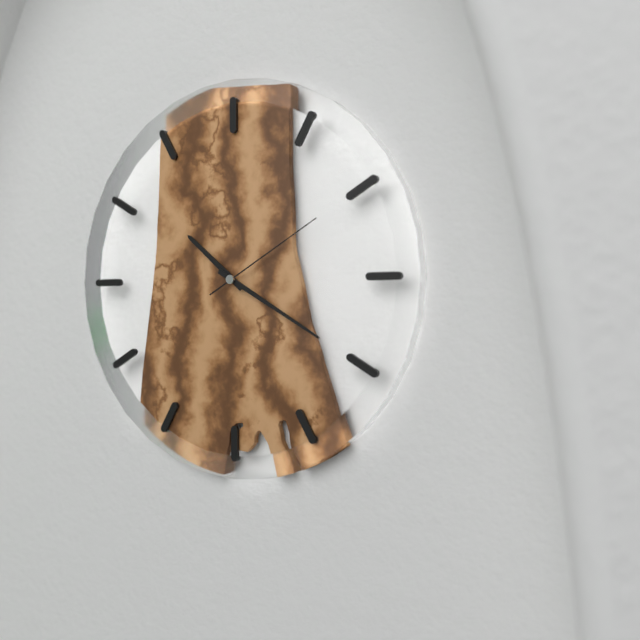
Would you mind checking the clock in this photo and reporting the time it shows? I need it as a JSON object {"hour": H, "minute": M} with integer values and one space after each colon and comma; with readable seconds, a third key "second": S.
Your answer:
{"hour": 10, "minute": 20, "second": 10}
